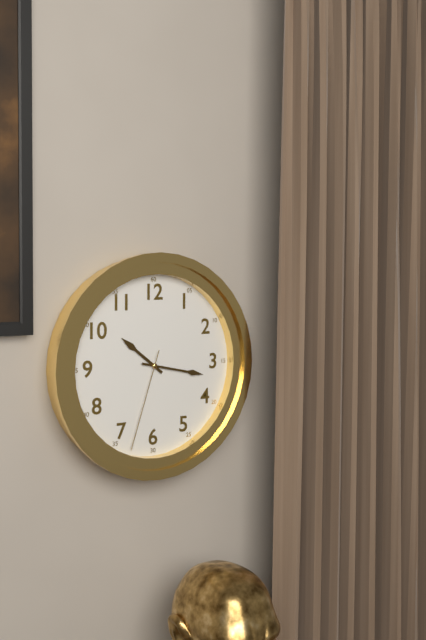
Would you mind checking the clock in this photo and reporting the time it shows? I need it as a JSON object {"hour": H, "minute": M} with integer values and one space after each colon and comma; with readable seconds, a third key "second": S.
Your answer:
{"hour": 10, "minute": 17, "second": 33}
